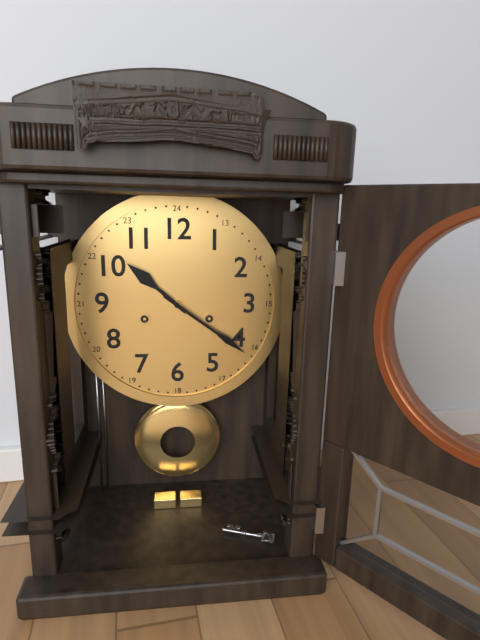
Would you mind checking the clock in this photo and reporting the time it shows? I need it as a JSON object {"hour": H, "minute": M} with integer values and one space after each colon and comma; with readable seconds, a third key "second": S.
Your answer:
{"hour": 10, "minute": 21}
